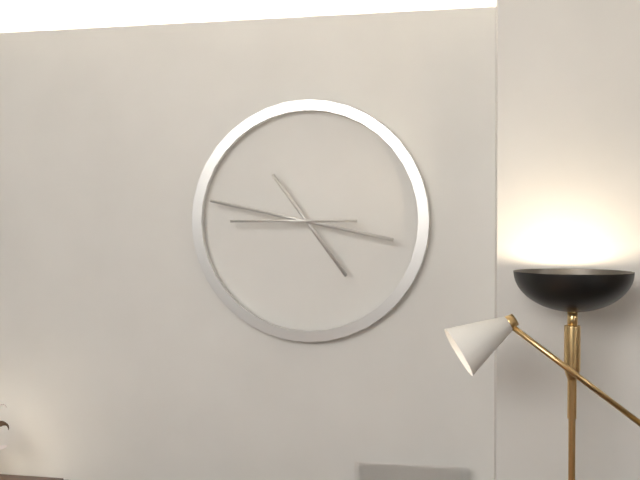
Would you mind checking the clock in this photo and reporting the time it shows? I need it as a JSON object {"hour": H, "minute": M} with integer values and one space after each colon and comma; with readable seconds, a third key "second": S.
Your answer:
{"hour": 4, "minute": 47, "second": 45}
